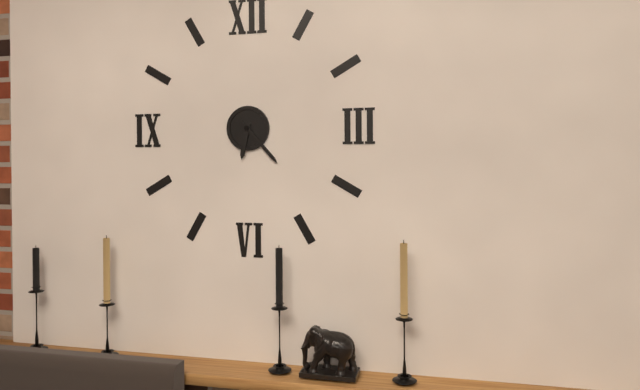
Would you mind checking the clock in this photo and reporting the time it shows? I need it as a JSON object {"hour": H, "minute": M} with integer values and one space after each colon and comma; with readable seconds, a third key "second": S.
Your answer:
{"hour": 6, "minute": 23}
